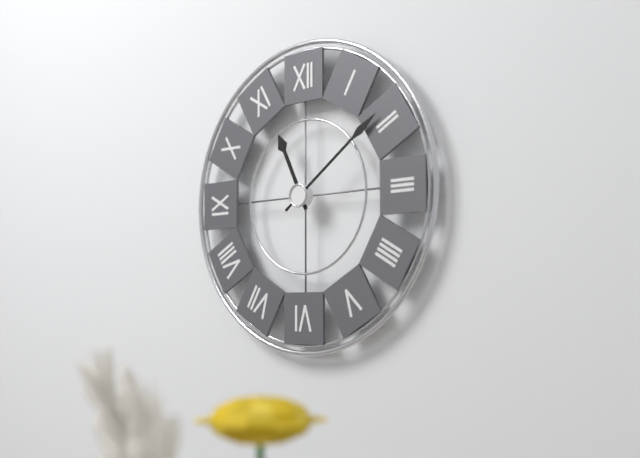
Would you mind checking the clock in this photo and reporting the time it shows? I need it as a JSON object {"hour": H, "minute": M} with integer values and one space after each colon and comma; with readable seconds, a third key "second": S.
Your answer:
{"hour": 11, "minute": 9}
